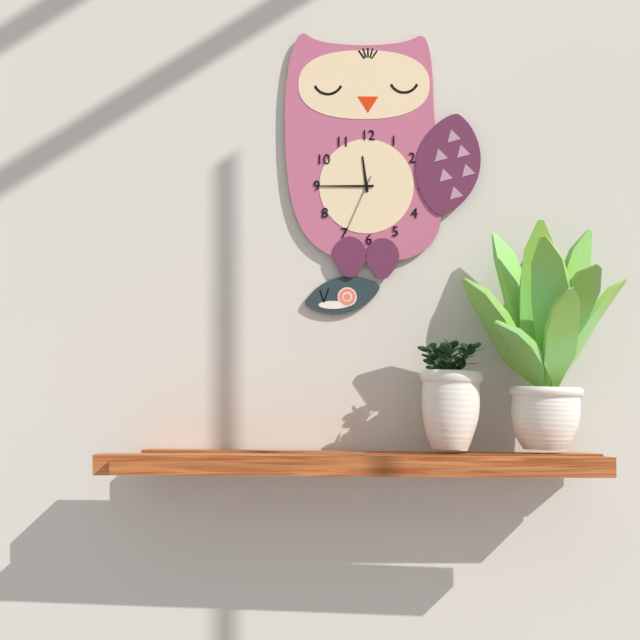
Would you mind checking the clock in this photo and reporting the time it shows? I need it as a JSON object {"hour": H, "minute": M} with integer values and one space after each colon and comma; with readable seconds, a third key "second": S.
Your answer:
{"hour": 11, "minute": 45, "second": 34}
